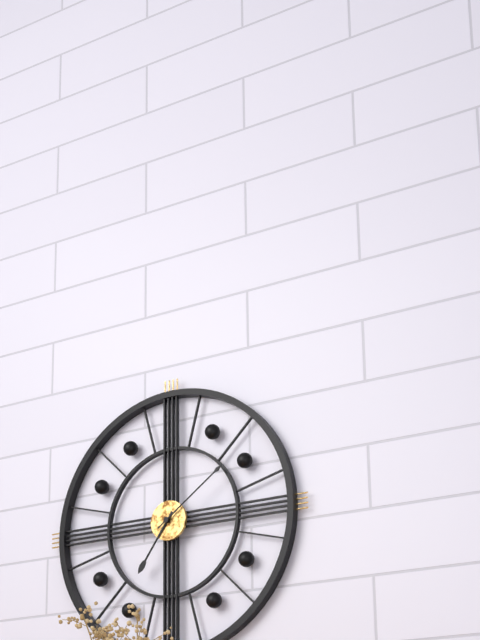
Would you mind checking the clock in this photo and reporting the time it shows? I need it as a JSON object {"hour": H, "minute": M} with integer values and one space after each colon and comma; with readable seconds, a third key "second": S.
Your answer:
{"hour": 7, "minute": 9}
